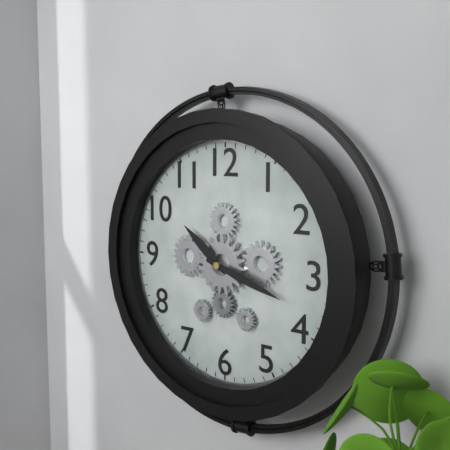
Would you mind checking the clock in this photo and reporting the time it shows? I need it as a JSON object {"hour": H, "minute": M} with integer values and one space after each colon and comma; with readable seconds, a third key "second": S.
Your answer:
{"hour": 10, "minute": 18}
